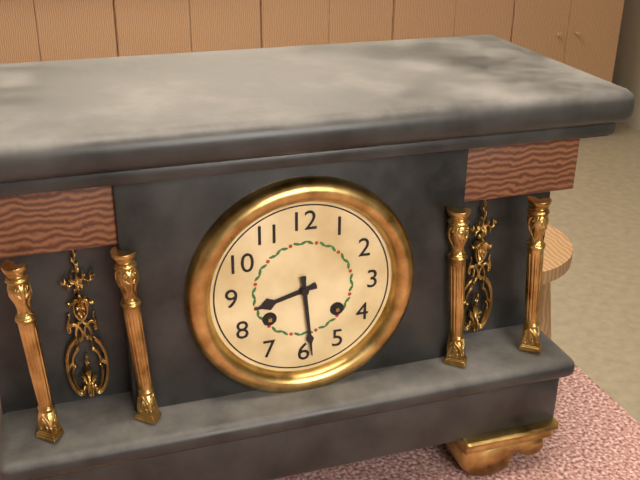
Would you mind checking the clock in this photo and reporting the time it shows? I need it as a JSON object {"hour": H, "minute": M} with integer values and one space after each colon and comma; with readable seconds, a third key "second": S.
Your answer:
{"hour": 8, "minute": 29}
